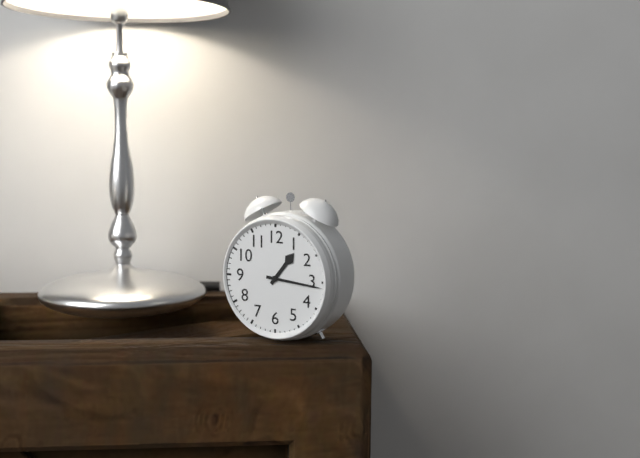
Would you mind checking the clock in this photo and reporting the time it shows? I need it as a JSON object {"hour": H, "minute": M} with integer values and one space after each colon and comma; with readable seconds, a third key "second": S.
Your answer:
{"hour": 1, "minute": 16}
